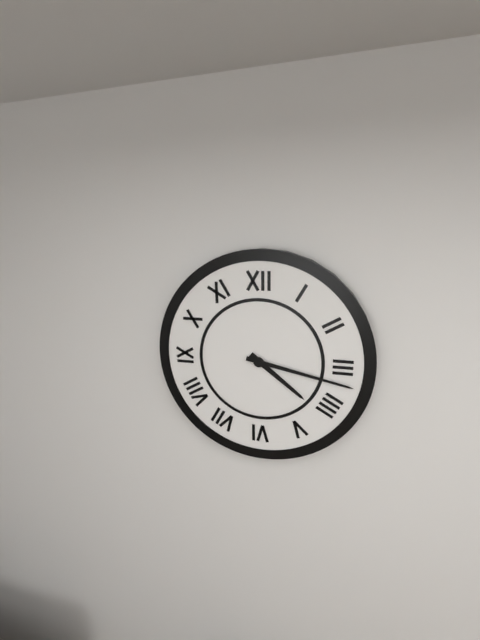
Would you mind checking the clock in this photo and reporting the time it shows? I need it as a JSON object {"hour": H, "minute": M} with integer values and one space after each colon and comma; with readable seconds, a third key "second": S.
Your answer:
{"hour": 4, "minute": 17}
